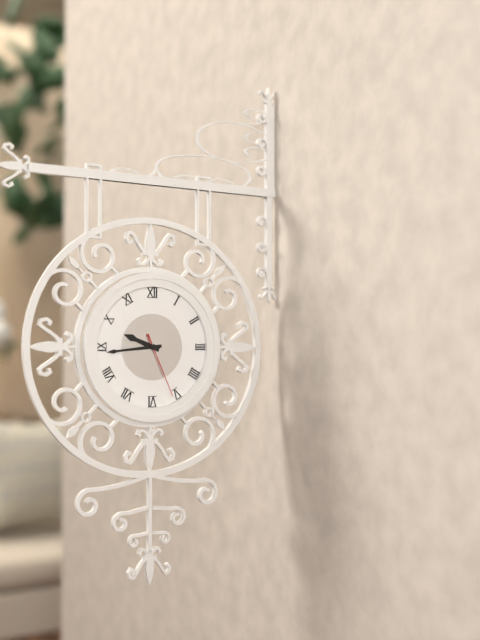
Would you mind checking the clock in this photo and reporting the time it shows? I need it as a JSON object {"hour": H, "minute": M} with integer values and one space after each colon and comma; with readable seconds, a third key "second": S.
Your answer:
{"hour": 9, "minute": 44, "second": 26}
